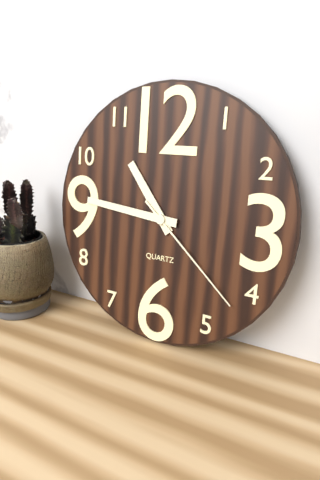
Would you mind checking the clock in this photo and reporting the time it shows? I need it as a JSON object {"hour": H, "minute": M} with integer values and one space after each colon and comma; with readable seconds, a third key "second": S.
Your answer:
{"hour": 10, "minute": 46, "second": 22}
